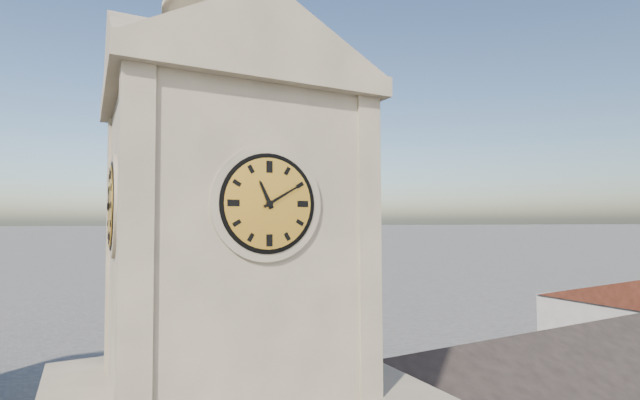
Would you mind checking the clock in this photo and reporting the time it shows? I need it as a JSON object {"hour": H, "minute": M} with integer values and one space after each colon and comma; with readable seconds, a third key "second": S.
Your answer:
{"hour": 11, "minute": 10}
